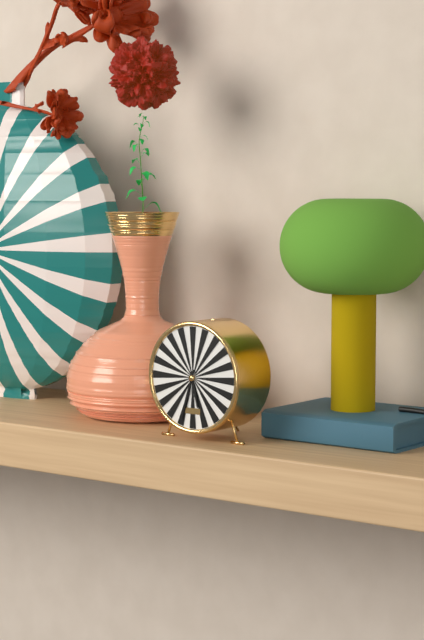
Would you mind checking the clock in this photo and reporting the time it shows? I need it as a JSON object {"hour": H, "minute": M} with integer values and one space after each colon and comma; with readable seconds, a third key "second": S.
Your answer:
{"hour": 5, "minute": 33}
